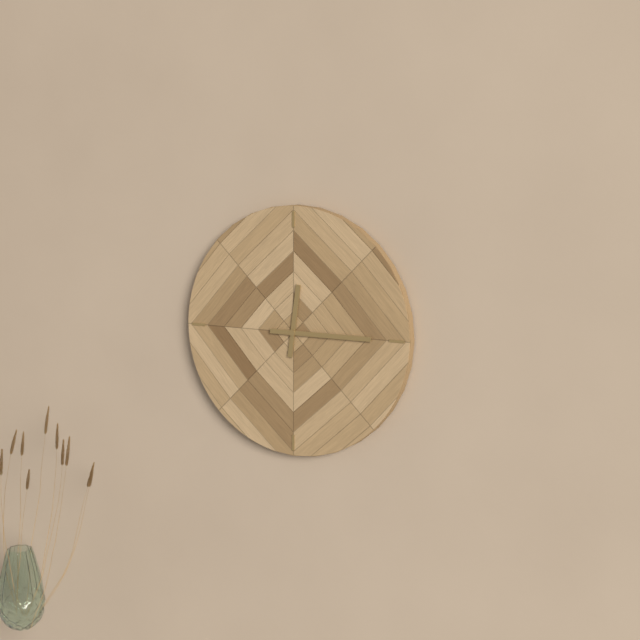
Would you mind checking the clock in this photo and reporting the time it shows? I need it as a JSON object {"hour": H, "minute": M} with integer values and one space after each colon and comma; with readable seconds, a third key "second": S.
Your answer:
{"hour": 12, "minute": 15}
